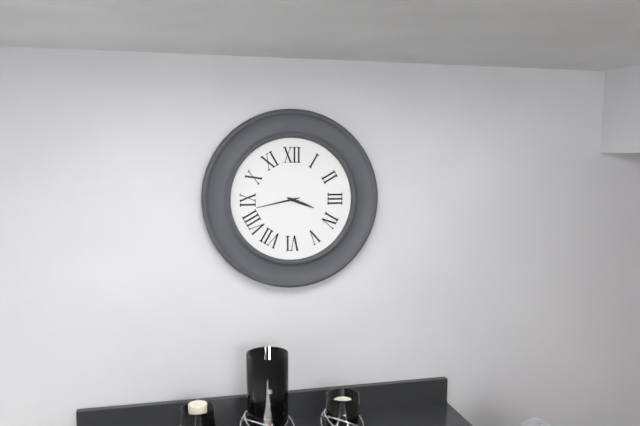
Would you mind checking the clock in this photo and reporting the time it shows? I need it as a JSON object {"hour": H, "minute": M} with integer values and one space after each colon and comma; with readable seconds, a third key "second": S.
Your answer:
{"hour": 3, "minute": 43}
